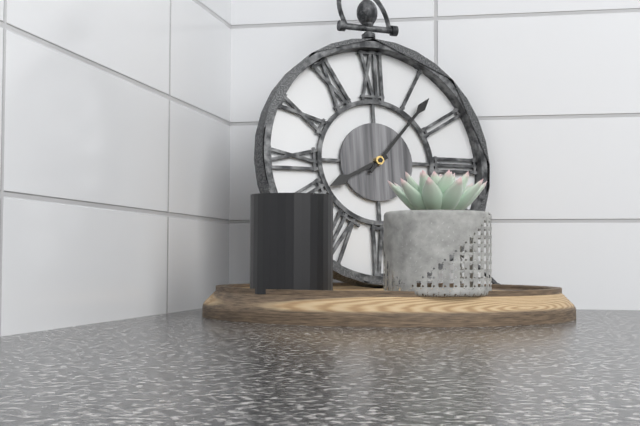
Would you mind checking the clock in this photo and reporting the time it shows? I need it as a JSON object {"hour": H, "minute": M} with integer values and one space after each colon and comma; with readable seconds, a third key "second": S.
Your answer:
{"hour": 8, "minute": 7}
